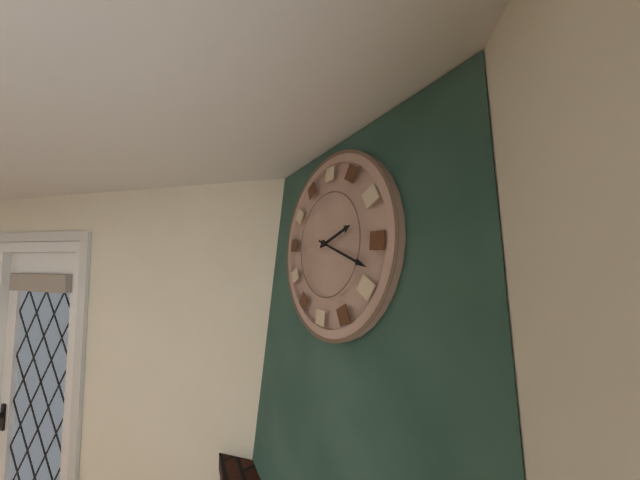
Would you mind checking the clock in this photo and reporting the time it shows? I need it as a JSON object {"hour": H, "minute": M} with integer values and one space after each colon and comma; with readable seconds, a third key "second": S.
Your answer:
{"hour": 2, "minute": 18}
